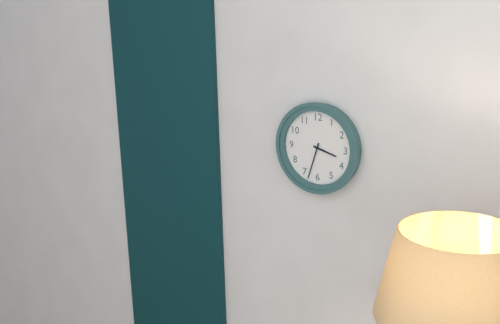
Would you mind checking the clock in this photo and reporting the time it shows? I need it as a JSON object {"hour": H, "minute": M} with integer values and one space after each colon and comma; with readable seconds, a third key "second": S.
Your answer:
{"hour": 3, "minute": 33}
